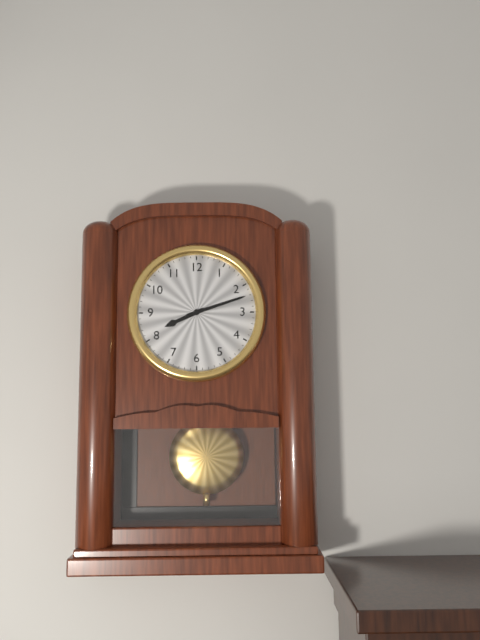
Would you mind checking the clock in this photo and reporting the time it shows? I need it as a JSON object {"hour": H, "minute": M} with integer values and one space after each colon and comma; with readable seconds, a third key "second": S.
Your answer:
{"hour": 8, "minute": 12}
